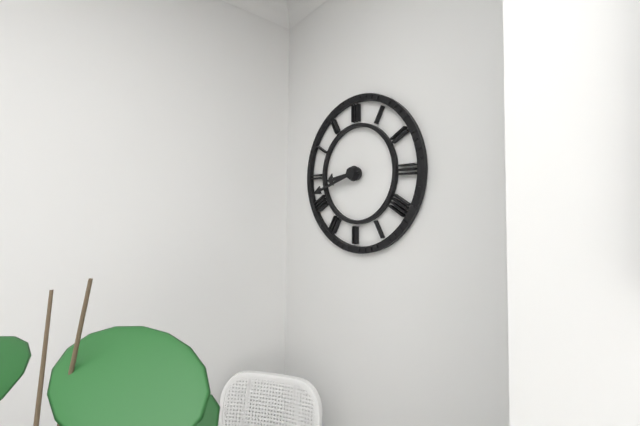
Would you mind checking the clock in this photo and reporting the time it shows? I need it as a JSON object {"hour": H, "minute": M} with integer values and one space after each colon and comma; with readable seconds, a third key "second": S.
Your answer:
{"hour": 8, "minute": 42}
